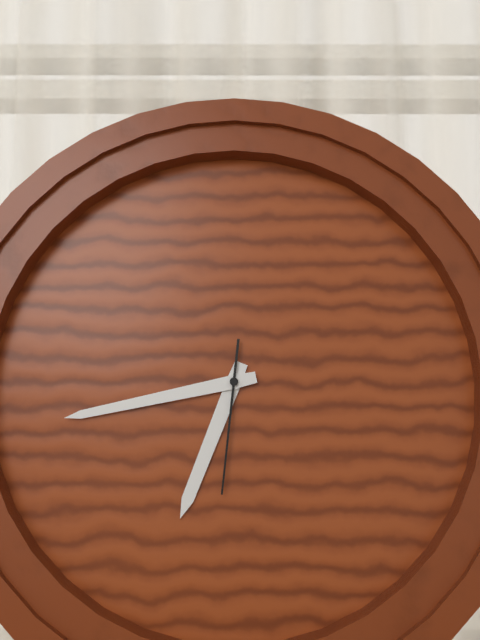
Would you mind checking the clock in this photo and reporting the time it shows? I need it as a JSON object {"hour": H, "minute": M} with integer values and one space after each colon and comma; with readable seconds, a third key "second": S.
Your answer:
{"hour": 6, "minute": 43, "second": 31}
